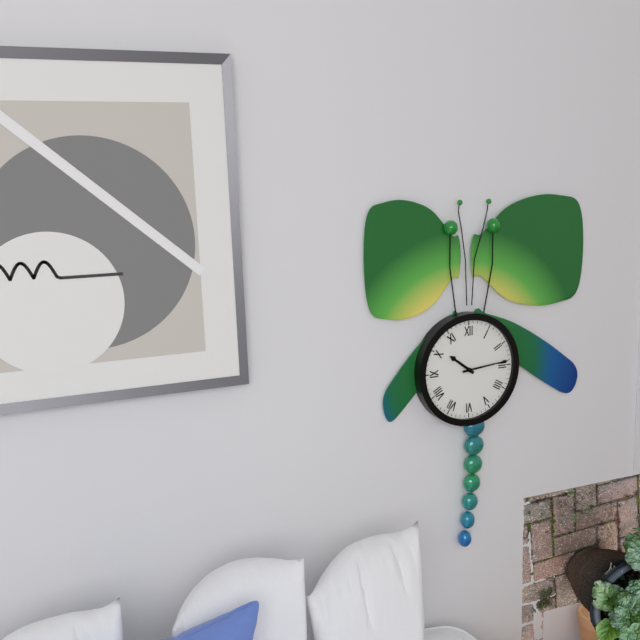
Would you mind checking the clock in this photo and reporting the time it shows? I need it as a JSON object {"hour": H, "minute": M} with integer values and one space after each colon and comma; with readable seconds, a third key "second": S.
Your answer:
{"hour": 10, "minute": 14}
